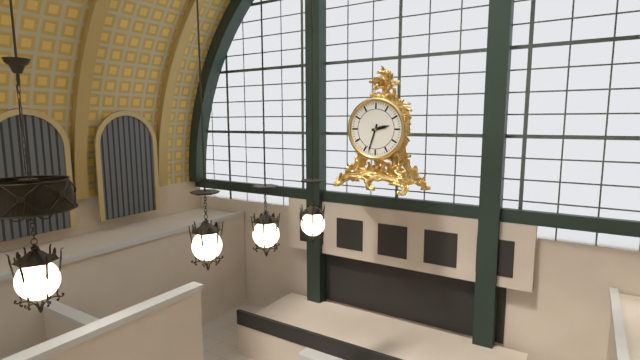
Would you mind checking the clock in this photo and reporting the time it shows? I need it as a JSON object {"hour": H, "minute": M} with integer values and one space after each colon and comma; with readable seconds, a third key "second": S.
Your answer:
{"hour": 2, "minute": 33}
